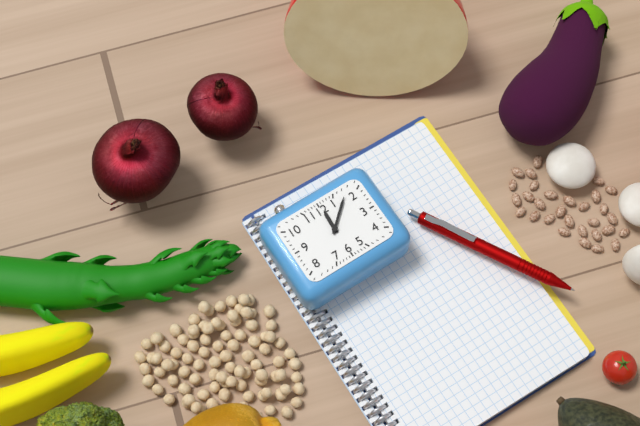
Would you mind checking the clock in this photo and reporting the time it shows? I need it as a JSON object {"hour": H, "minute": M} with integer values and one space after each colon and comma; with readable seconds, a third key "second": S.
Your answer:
{"hour": 12, "minute": 8}
